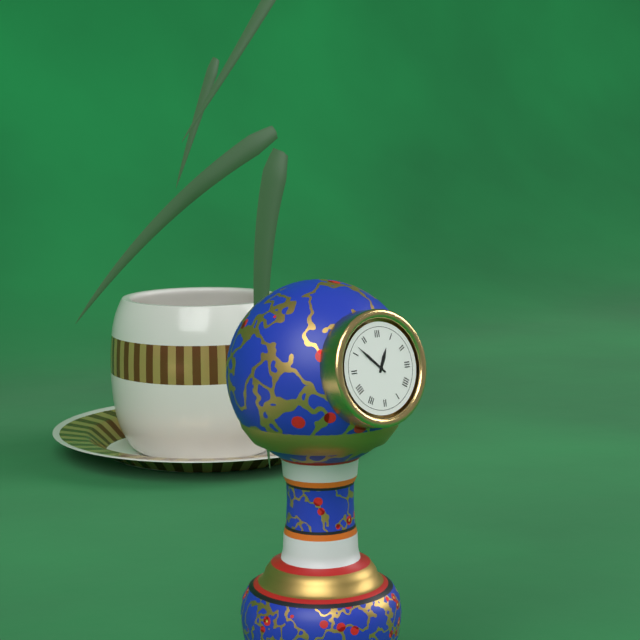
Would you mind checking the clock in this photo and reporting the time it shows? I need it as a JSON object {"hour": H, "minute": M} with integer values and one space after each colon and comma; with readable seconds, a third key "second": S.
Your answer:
{"hour": 12, "minute": 52}
